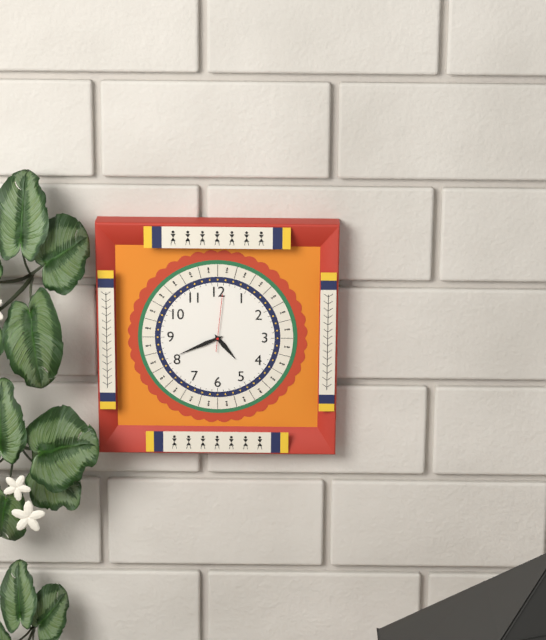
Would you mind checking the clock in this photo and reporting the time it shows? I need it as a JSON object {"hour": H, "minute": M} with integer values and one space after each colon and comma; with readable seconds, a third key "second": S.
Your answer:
{"hour": 4, "minute": 41, "second": 1}
